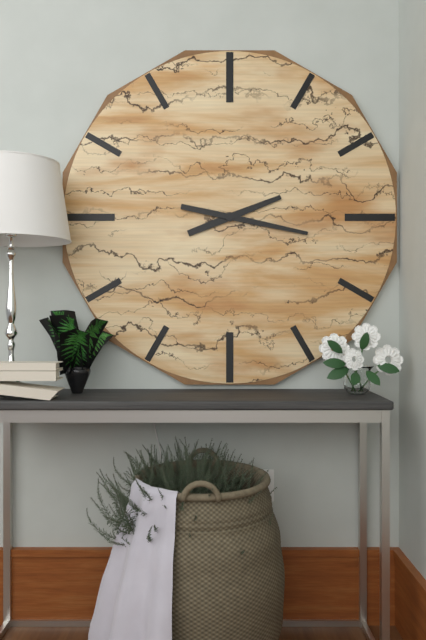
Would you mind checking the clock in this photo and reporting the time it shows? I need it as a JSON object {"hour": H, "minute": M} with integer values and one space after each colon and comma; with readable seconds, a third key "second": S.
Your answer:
{"hour": 2, "minute": 17}
